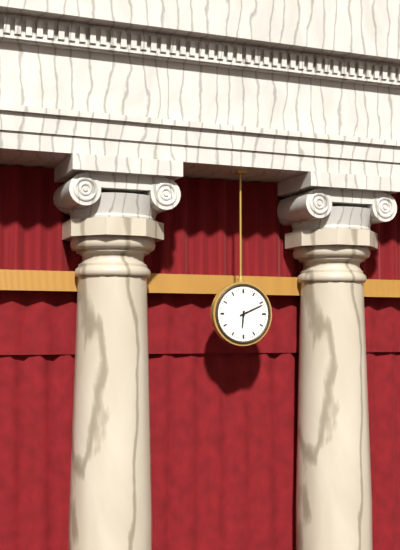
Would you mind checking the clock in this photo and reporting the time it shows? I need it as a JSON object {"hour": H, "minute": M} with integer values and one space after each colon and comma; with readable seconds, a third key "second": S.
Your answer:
{"hour": 6, "minute": 11}
